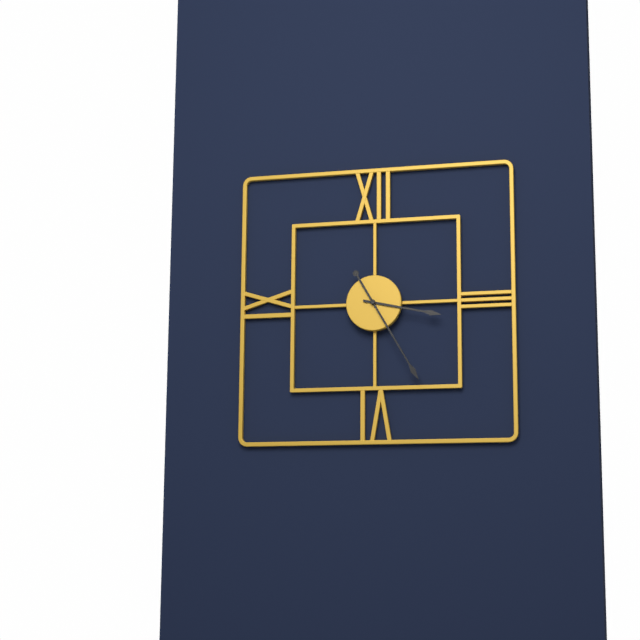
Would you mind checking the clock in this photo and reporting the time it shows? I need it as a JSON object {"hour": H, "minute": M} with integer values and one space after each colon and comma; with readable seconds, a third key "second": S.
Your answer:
{"hour": 3, "minute": 25}
